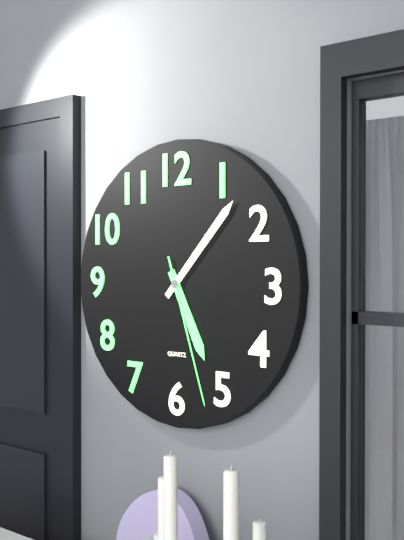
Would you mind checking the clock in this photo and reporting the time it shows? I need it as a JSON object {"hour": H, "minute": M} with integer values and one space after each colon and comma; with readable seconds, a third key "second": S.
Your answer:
{"hour": 5, "minute": 7, "second": 27}
